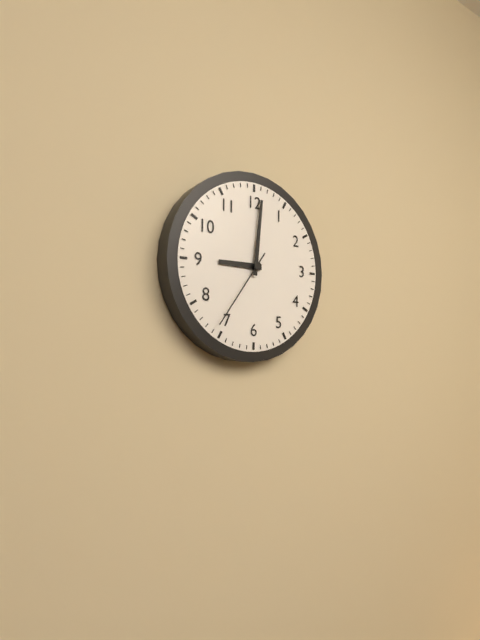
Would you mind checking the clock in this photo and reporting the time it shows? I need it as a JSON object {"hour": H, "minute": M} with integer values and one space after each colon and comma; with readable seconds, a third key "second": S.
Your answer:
{"hour": 9, "minute": 1, "second": 36}
